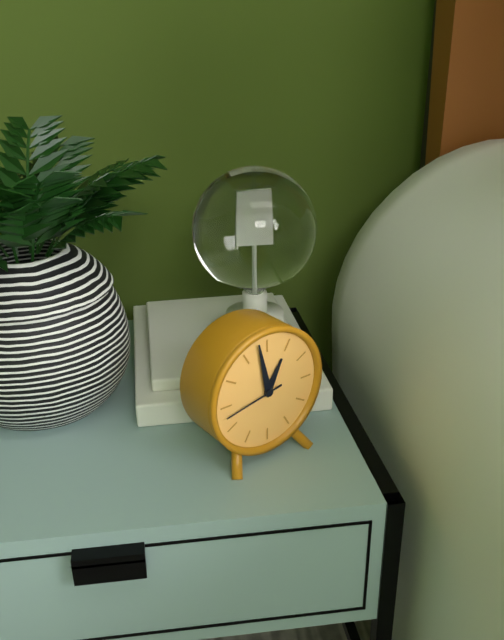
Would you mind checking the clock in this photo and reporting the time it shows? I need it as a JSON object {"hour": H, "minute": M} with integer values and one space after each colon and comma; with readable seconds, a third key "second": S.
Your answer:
{"hour": 12, "minute": 58, "second": 43}
